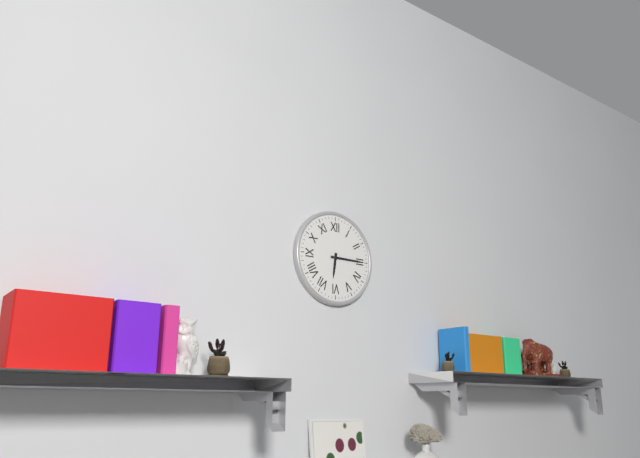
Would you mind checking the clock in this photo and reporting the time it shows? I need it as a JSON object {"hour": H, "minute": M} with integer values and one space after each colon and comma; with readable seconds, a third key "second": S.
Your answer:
{"hour": 6, "minute": 15}
